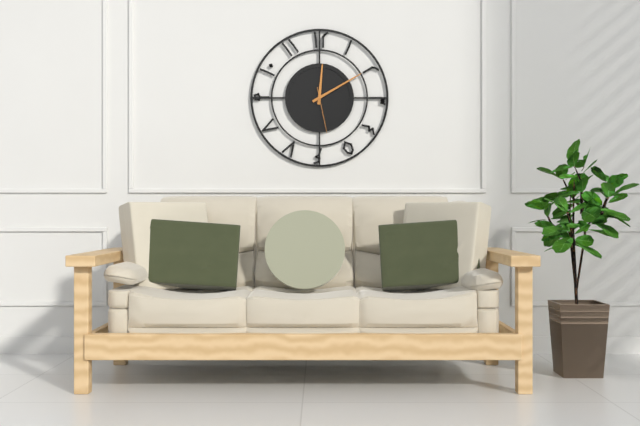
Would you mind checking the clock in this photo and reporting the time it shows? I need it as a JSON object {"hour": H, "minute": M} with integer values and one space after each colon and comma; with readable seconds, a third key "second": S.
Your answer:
{"hour": 12, "minute": 10}
